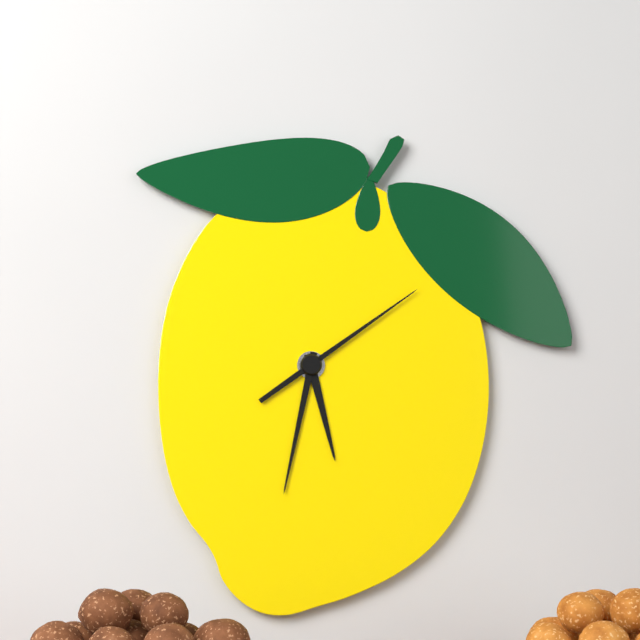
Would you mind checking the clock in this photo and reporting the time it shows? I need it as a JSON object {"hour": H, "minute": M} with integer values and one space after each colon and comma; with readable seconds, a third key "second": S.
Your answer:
{"hour": 5, "minute": 32, "second": 9}
